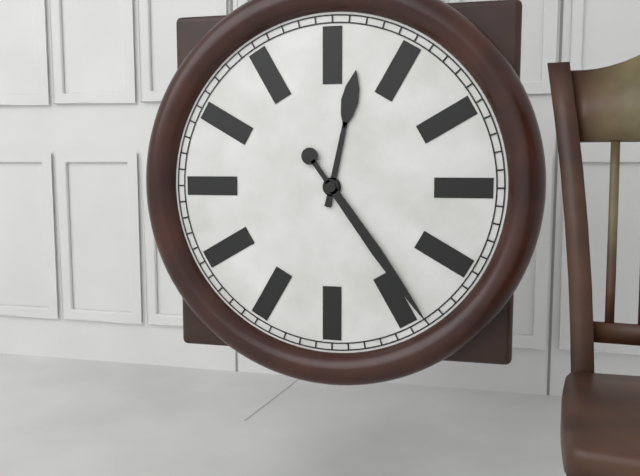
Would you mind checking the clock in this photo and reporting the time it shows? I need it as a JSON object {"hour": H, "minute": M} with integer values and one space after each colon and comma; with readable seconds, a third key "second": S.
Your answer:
{"hour": 12, "minute": 24}
